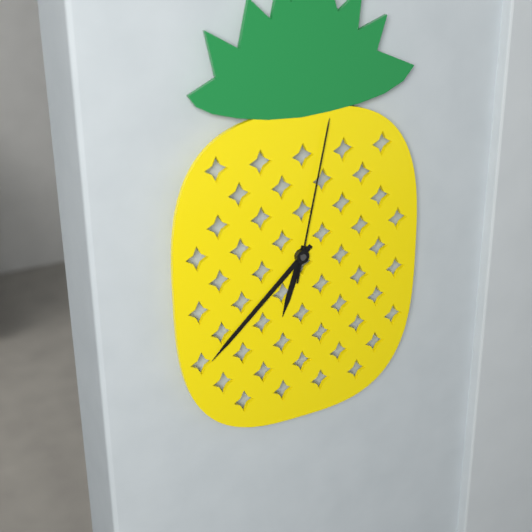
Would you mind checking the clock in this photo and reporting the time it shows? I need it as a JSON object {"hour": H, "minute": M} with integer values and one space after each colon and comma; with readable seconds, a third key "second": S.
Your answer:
{"hour": 6, "minute": 38, "second": 2}
